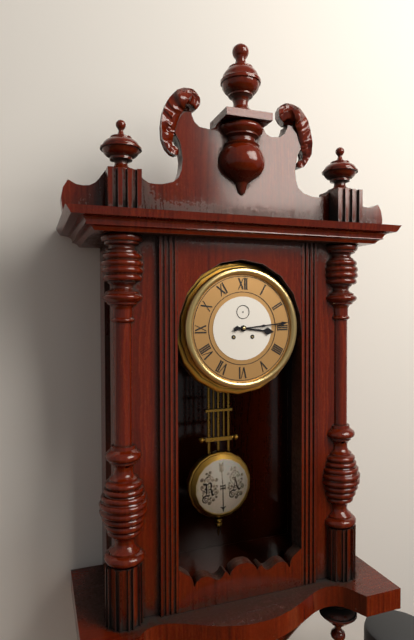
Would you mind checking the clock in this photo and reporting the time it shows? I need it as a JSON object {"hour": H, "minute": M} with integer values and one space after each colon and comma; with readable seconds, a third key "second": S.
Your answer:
{"hour": 3, "minute": 14}
